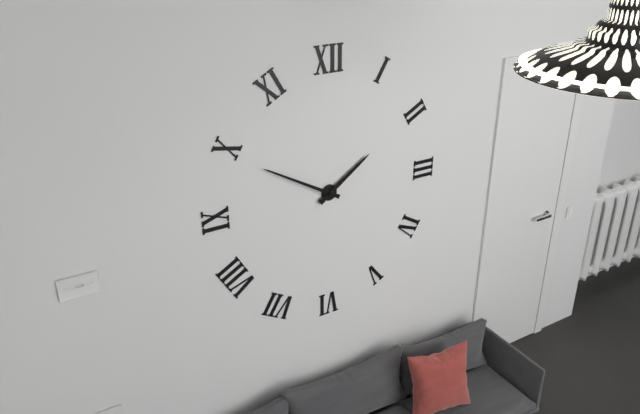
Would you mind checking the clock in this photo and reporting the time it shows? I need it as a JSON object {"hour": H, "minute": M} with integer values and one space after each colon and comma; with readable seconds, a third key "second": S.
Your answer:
{"hour": 1, "minute": 50}
